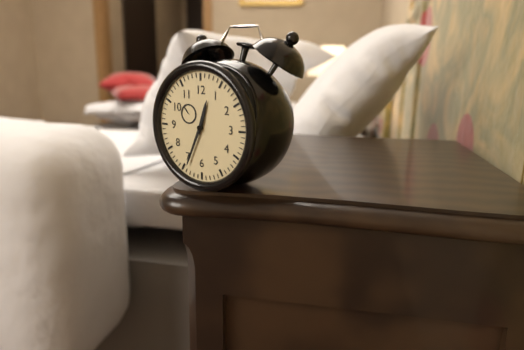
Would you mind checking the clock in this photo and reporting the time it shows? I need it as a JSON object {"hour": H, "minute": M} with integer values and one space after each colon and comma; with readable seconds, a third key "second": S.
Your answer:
{"hour": 12, "minute": 34}
